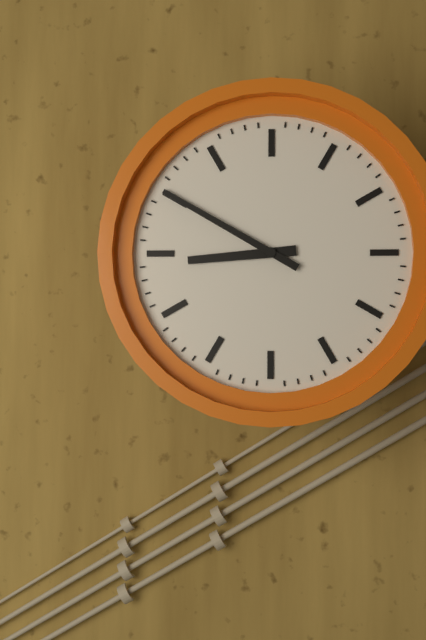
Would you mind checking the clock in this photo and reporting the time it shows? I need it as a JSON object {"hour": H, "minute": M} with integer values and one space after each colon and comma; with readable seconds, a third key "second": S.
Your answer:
{"hour": 8, "minute": 50}
